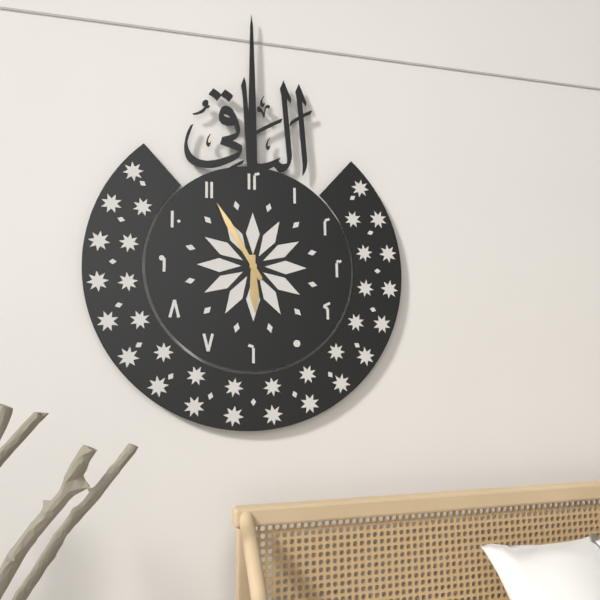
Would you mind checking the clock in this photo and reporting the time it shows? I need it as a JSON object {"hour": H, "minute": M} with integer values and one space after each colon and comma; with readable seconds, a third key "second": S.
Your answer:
{"hour": 5, "minute": 55}
